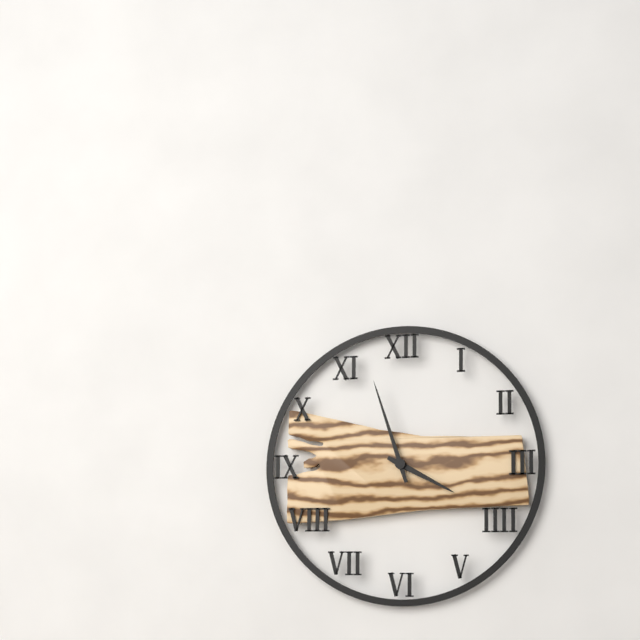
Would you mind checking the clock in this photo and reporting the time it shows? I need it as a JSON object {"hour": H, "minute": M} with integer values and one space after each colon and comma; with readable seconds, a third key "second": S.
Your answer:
{"hour": 3, "minute": 57}
